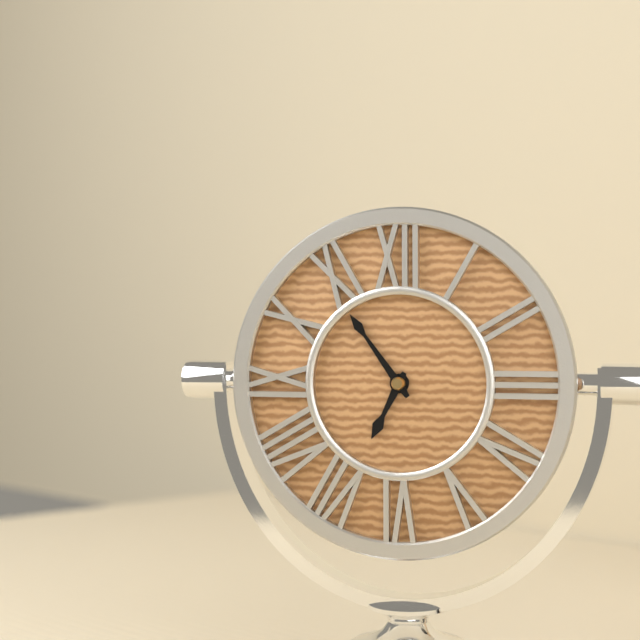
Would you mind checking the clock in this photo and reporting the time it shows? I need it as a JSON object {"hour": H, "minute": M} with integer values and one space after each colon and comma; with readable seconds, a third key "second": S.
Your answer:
{"hour": 6, "minute": 54}
